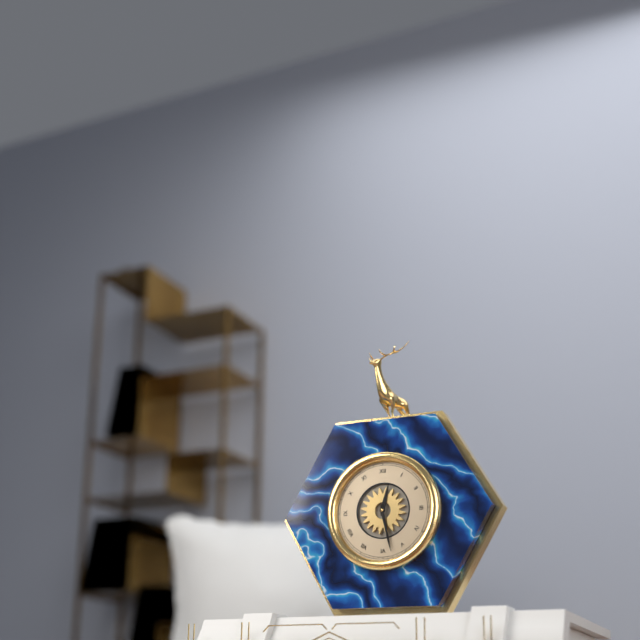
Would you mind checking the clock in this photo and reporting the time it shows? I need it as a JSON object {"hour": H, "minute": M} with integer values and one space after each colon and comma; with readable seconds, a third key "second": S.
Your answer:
{"hour": 12, "minute": 28}
